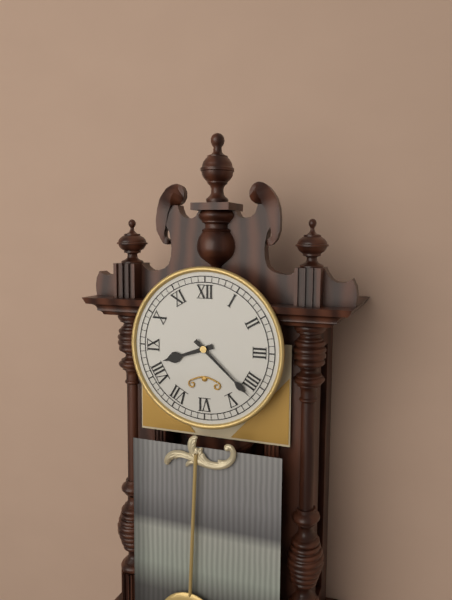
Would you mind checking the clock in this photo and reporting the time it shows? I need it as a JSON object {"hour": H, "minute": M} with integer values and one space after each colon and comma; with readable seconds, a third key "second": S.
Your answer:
{"hour": 8, "minute": 22}
